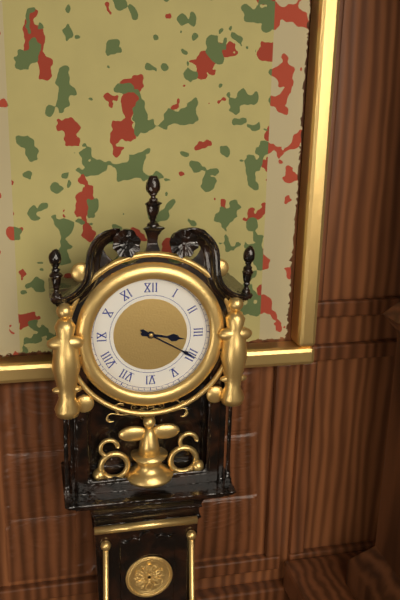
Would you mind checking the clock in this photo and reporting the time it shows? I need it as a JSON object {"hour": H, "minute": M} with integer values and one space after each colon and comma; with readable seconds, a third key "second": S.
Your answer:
{"hour": 3, "minute": 20}
